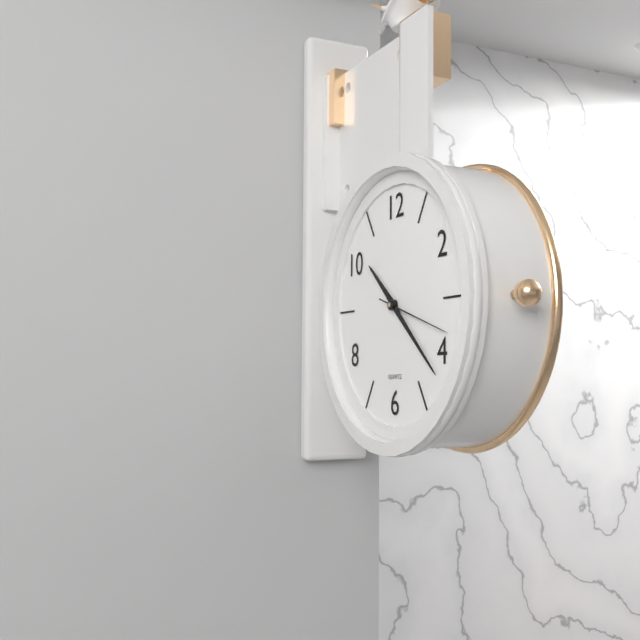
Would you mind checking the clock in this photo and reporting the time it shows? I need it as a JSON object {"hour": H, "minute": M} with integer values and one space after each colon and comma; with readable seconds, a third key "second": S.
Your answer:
{"hour": 10, "minute": 22, "second": 18}
